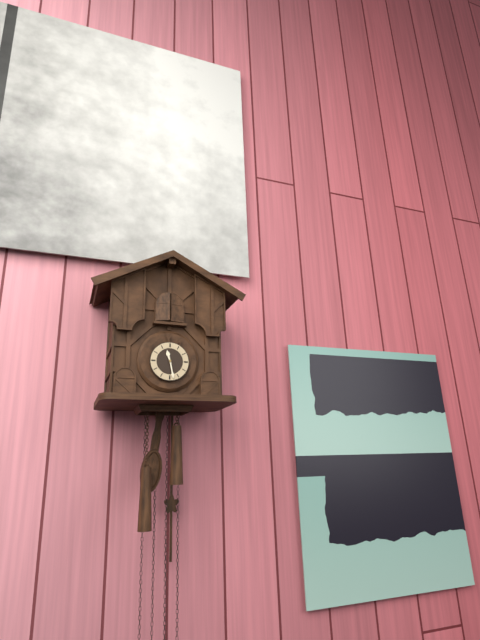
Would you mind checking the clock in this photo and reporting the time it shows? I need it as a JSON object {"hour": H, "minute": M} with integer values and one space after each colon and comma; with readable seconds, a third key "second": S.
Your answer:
{"hour": 11, "minute": 28}
